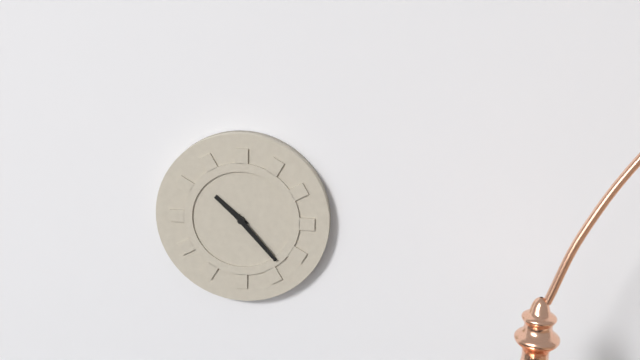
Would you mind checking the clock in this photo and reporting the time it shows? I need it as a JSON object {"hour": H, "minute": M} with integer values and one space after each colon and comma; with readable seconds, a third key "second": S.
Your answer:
{"hour": 10, "minute": 23}
